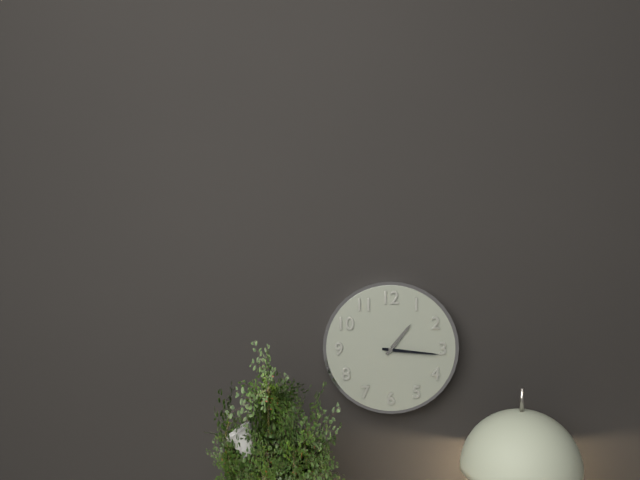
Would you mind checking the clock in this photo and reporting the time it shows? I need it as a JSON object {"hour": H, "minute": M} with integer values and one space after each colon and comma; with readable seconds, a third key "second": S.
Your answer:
{"hour": 1, "minute": 16}
